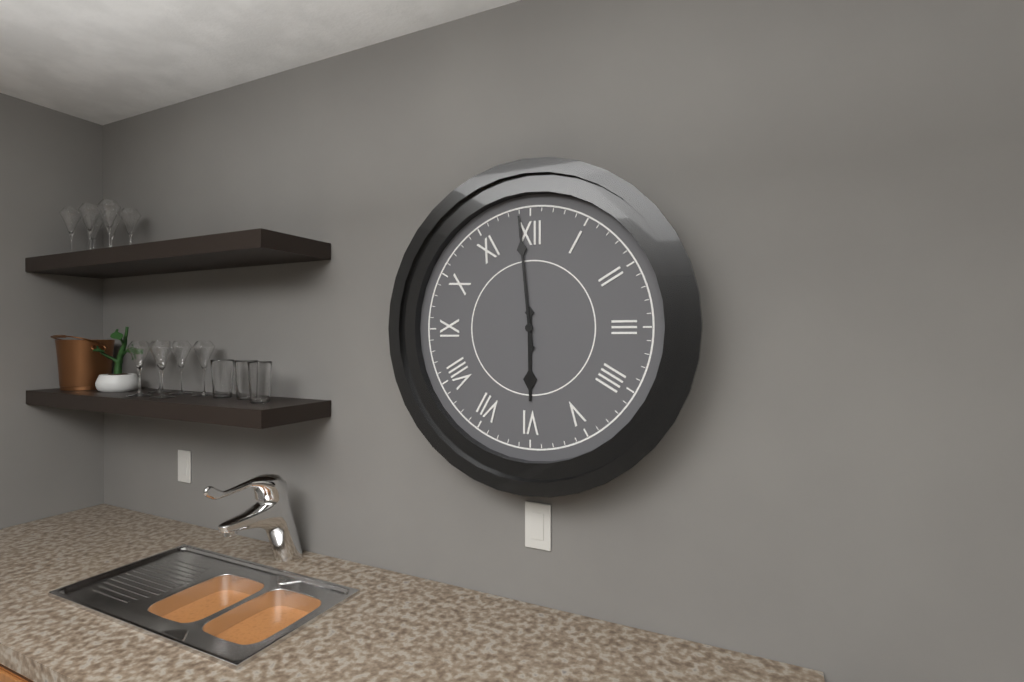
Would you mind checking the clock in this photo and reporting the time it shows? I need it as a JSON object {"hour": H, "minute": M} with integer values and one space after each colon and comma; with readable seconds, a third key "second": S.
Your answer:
{"hour": 5, "minute": 59}
